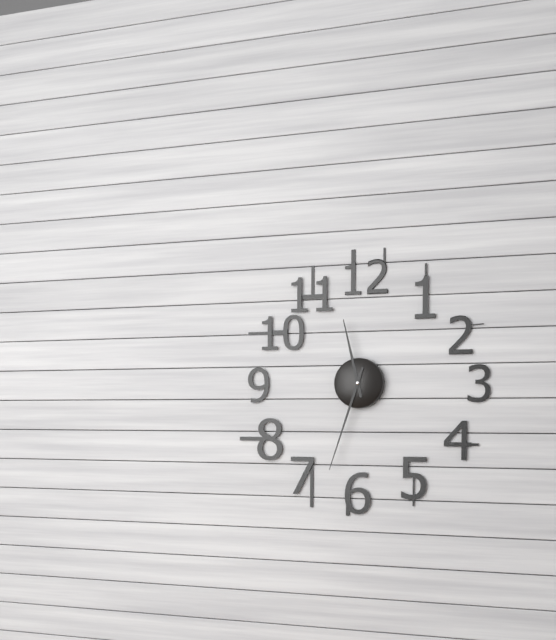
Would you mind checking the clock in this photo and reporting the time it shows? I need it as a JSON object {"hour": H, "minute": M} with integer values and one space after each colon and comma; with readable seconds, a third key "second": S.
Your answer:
{"hour": 11, "minute": 33}
